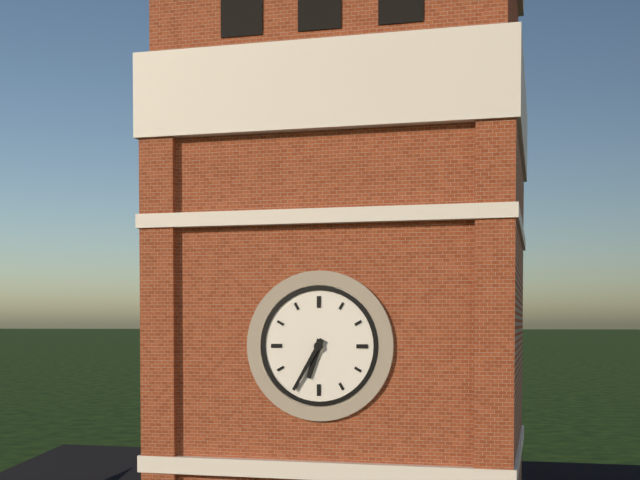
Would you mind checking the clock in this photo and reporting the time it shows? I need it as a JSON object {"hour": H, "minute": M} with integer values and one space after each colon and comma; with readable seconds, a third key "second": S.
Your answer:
{"hour": 6, "minute": 35}
